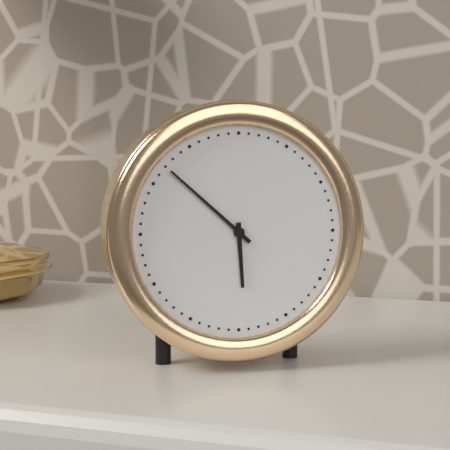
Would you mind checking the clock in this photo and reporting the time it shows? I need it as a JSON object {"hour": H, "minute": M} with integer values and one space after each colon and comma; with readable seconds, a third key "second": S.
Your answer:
{"hour": 5, "minute": 52}
